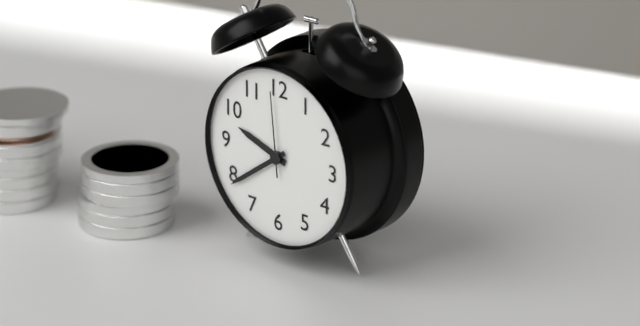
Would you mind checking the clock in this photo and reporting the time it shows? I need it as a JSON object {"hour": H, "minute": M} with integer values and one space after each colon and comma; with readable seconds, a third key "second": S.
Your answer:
{"hour": 9, "minute": 39, "second": 59}
